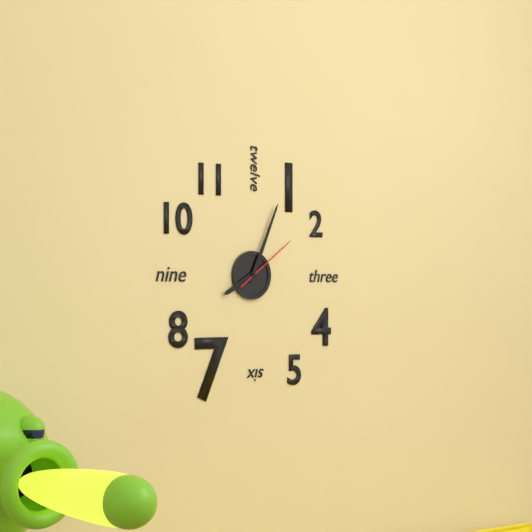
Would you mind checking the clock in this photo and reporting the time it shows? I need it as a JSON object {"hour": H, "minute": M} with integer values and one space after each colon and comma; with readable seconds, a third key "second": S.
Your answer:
{"hour": 8, "minute": 4, "second": 9}
